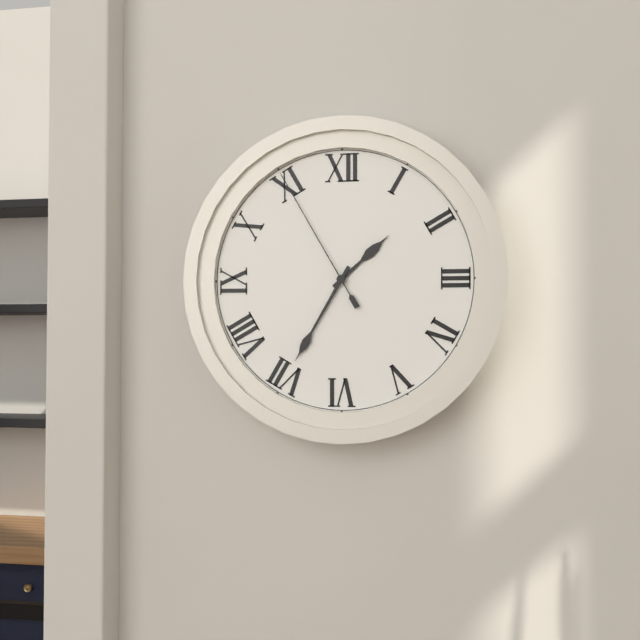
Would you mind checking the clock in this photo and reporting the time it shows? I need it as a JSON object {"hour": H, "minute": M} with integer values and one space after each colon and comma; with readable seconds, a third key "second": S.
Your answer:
{"hour": 1, "minute": 35, "second": 55}
